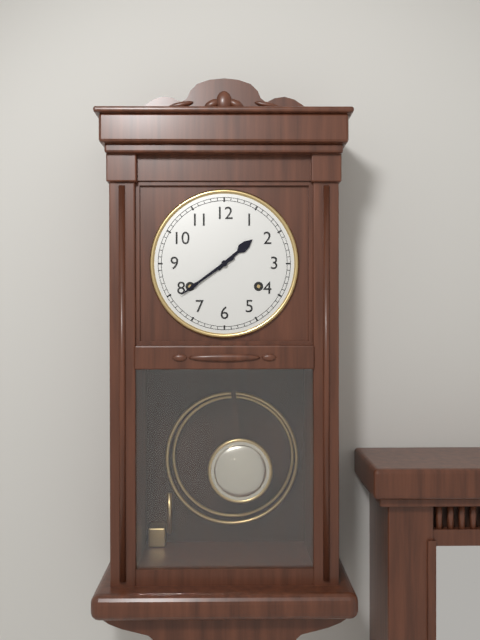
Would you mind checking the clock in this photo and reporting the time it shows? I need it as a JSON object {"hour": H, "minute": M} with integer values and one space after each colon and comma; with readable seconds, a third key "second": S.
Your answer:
{"hour": 1, "minute": 39}
